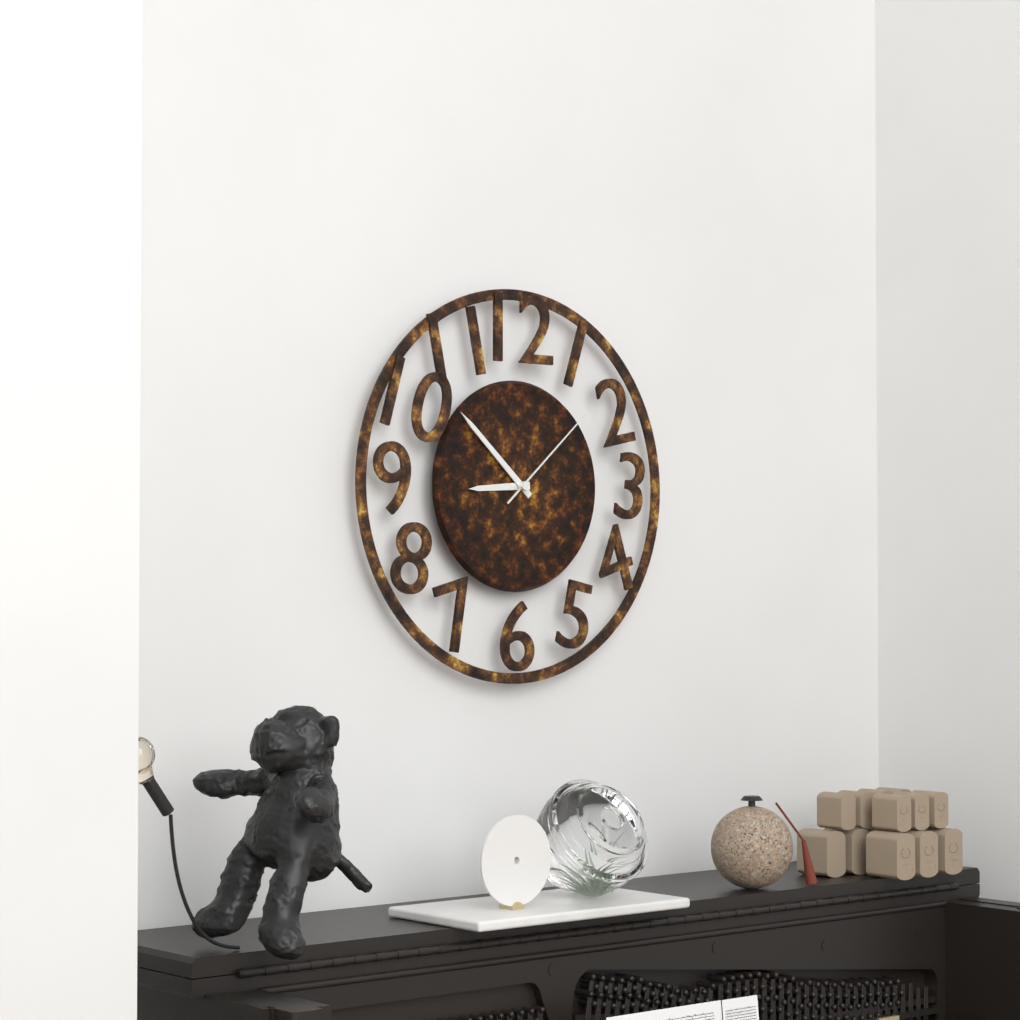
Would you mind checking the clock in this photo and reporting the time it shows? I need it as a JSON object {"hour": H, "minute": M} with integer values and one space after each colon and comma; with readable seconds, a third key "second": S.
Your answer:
{"hour": 8, "minute": 52, "second": 8}
